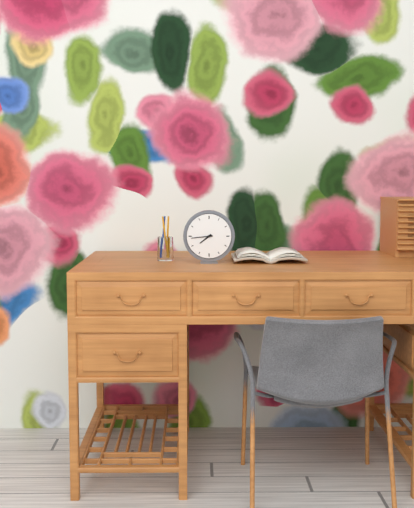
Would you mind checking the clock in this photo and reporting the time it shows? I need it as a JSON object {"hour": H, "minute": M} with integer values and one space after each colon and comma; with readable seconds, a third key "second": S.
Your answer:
{"hour": 7, "minute": 44}
